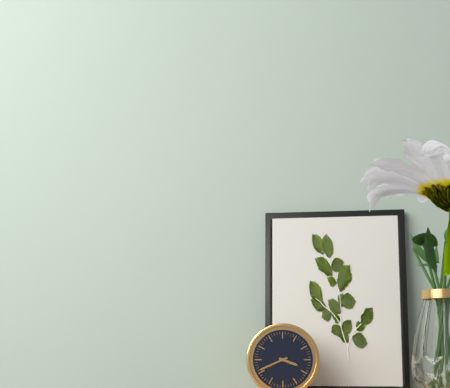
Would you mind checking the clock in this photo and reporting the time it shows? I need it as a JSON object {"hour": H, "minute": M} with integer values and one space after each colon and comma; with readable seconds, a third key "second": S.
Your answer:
{"hour": 3, "minute": 41}
